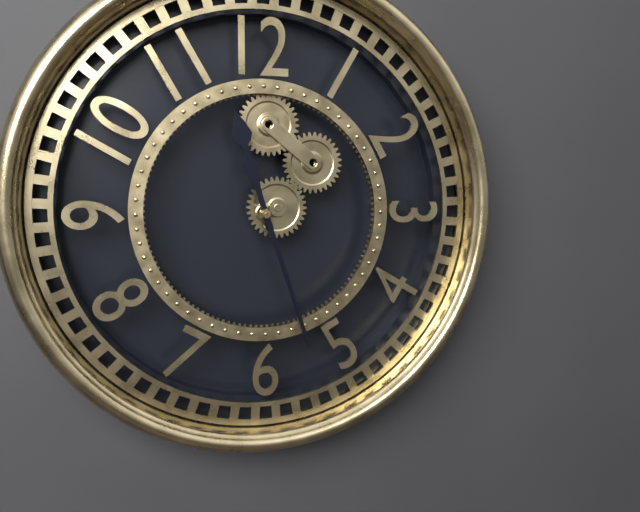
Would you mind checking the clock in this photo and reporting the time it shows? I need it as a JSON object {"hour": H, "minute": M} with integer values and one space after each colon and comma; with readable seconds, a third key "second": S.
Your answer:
{"hour": 11, "minute": 27}
